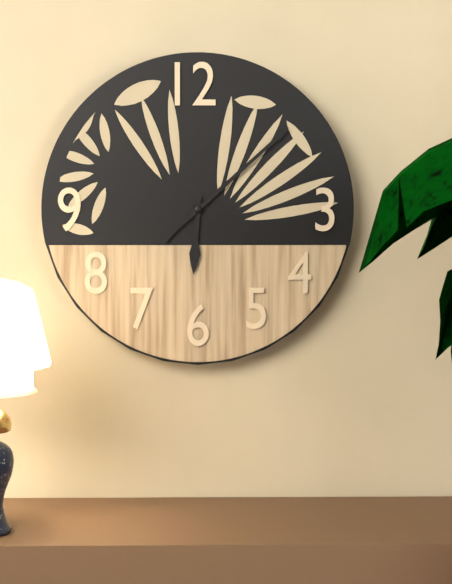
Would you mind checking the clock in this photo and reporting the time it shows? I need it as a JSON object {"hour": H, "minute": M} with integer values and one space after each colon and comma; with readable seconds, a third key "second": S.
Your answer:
{"hour": 6, "minute": 8}
